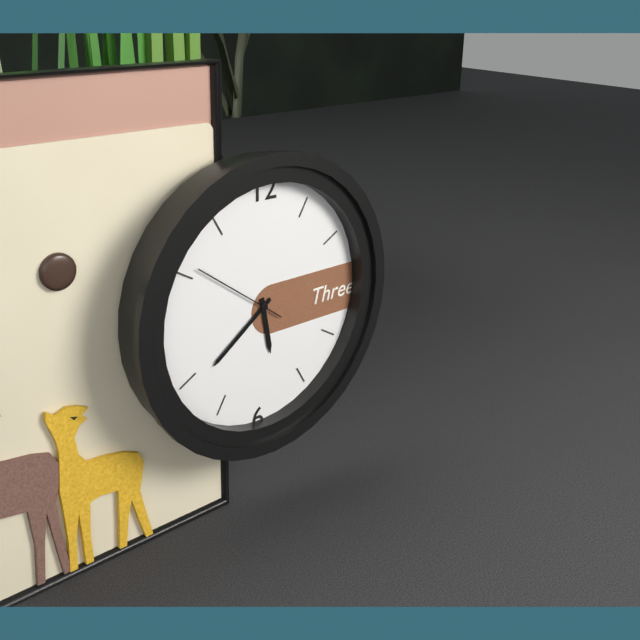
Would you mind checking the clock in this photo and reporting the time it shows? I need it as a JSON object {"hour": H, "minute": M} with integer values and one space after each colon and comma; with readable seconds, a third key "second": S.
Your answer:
{"hour": 5, "minute": 39, "second": 51}
